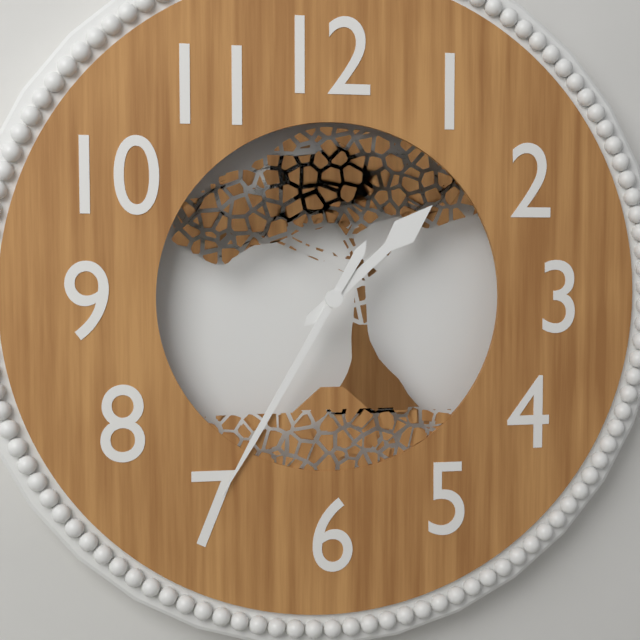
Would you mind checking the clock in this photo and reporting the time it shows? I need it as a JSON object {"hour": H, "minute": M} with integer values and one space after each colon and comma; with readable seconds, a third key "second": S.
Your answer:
{"hour": 1, "minute": 35}
